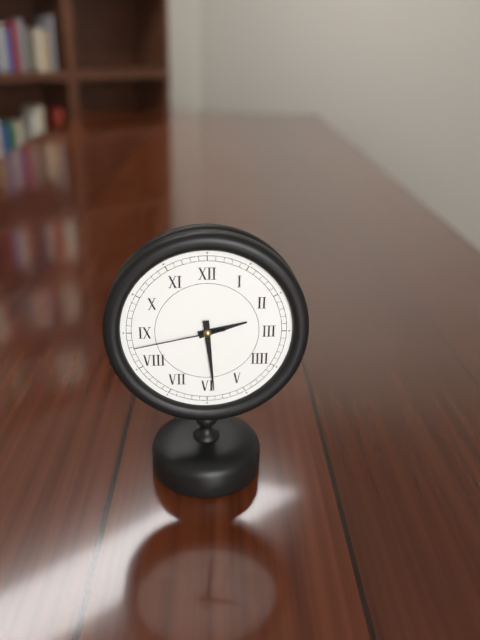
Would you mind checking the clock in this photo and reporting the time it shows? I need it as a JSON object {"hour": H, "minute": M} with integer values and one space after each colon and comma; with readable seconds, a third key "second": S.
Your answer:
{"hour": 2, "minute": 29, "second": 43}
